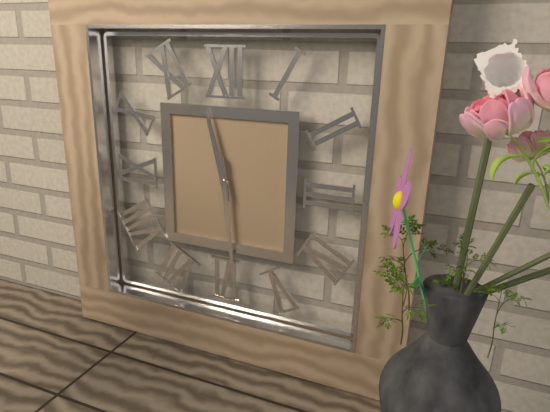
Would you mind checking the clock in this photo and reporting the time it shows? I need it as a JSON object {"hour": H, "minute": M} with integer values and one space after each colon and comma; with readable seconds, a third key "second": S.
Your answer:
{"hour": 11, "minute": 29}
